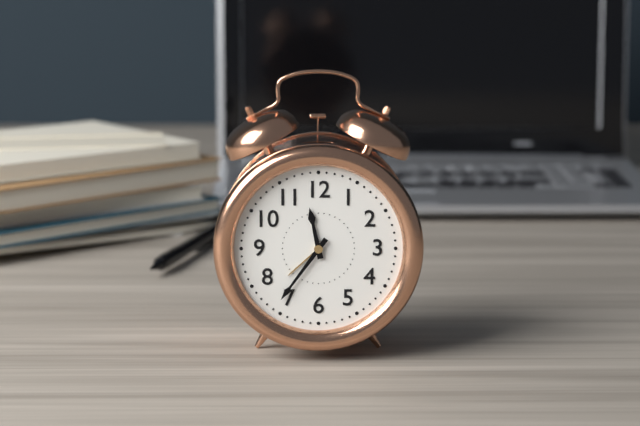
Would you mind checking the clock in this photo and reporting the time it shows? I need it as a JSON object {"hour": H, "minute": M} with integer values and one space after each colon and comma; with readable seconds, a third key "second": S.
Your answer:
{"hour": 11, "minute": 36}
